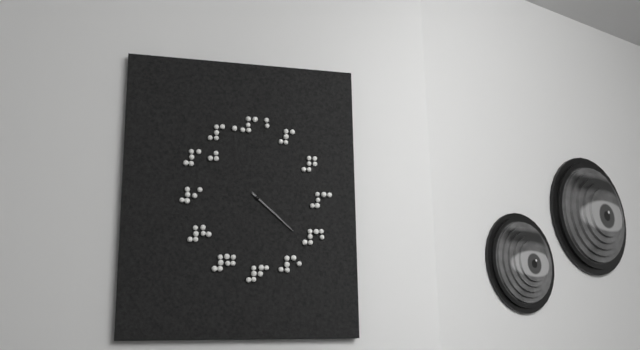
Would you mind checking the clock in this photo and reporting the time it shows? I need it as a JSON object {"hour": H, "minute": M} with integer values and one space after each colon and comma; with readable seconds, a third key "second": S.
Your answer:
{"hour": 4, "minute": 22}
